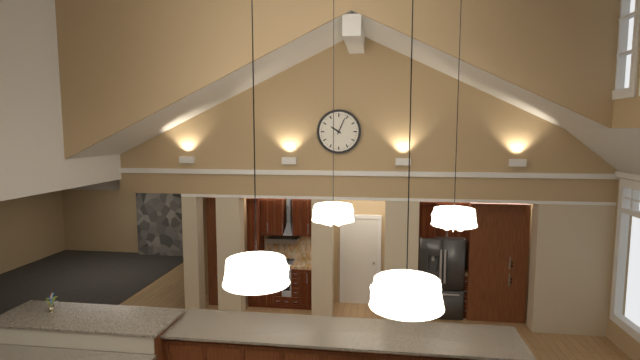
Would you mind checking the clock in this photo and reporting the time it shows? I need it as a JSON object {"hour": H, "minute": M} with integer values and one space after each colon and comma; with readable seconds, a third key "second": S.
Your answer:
{"hour": 10, "minute": 4}
